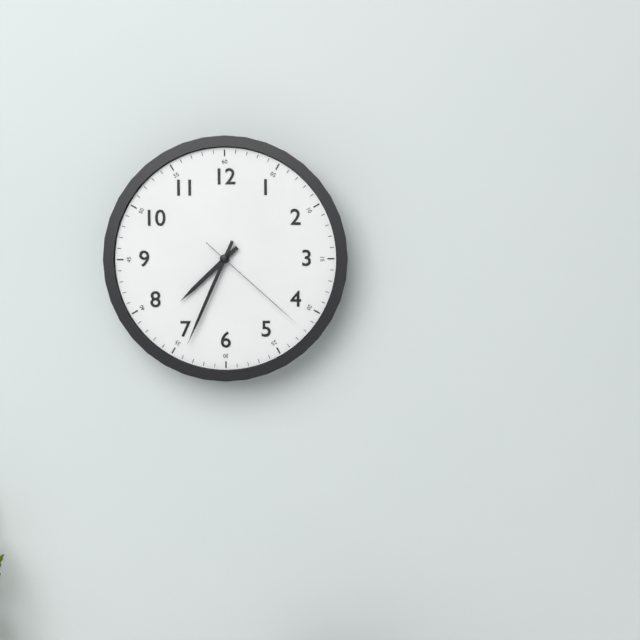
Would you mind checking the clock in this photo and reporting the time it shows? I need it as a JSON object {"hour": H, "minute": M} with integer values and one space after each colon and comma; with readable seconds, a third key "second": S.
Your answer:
{"hour": 7, "minute": 34, "second": 22}
